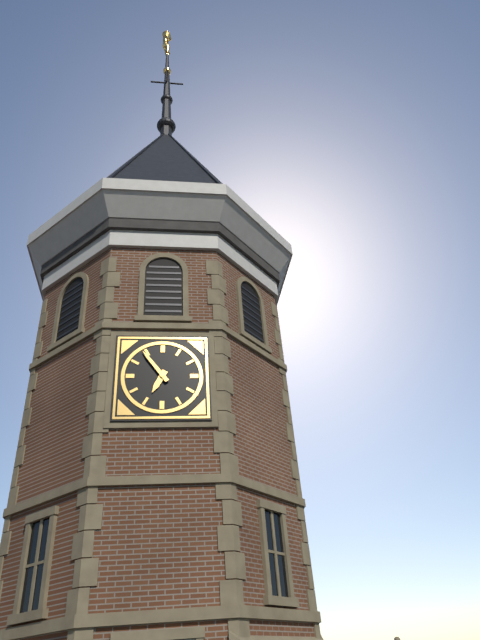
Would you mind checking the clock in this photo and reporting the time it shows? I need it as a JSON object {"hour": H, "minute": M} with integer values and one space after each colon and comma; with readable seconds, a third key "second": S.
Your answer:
{"hour": 6, "minute": 54}
